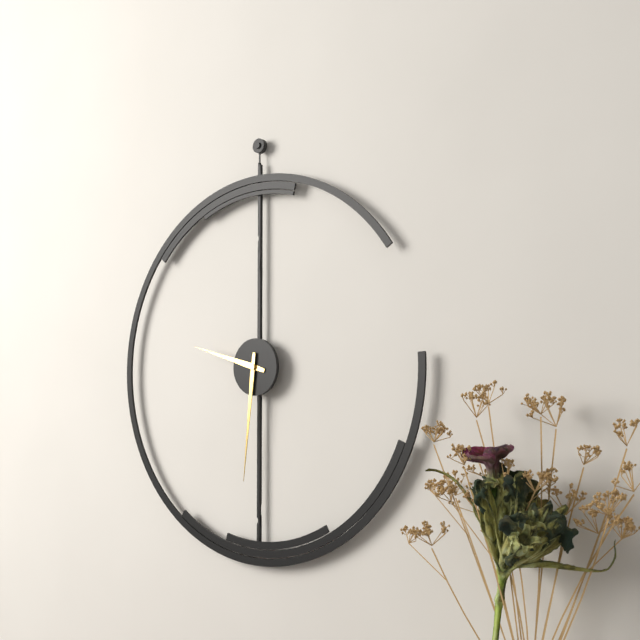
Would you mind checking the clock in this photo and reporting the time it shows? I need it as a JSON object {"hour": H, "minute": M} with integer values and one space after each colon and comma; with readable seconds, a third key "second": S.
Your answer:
{"hour": 9, "minute": 31}
